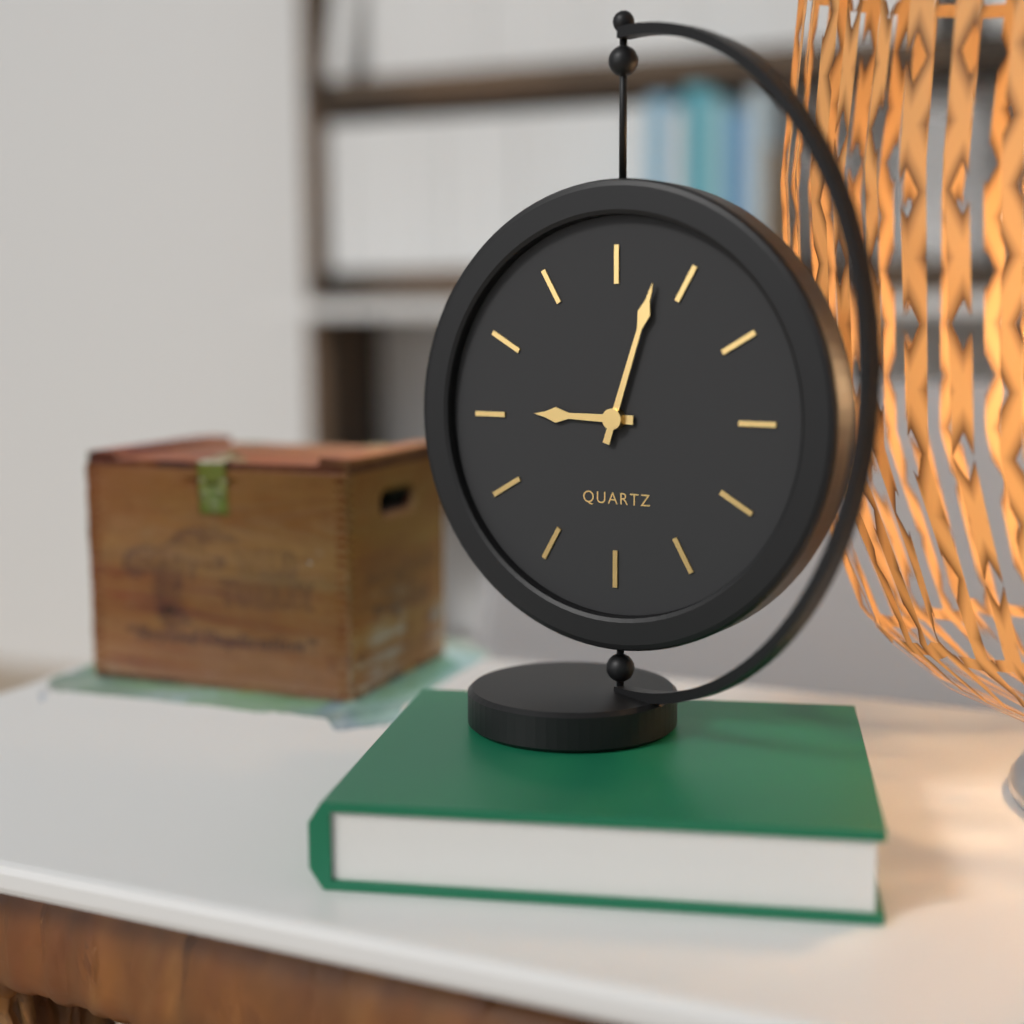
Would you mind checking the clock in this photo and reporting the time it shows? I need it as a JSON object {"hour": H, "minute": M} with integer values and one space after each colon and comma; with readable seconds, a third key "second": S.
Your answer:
{"hour": 9, "minute": 3}
